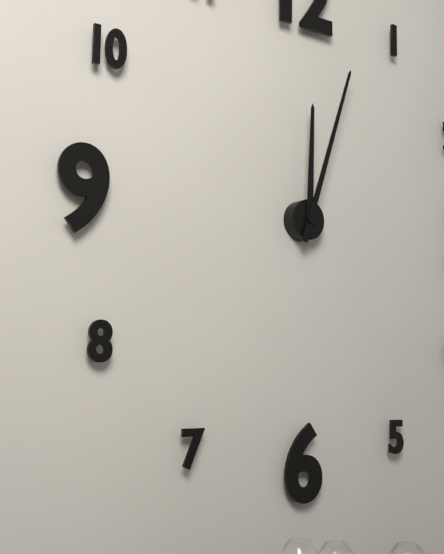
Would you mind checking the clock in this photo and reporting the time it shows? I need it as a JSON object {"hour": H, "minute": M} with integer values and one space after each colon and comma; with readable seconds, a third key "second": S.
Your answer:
{"hour": 12, "minute": 3}
